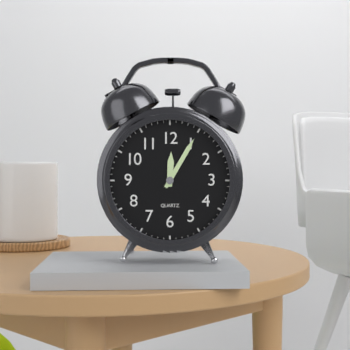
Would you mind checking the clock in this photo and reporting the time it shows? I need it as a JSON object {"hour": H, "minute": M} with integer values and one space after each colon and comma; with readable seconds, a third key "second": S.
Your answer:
{"hour": 12, "minute": 5}
